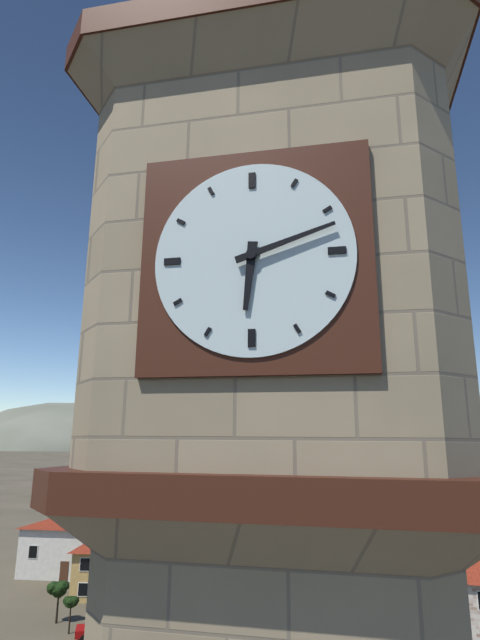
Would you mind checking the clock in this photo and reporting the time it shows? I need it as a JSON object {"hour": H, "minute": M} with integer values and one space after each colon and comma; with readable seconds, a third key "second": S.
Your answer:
{"hour": 6, "minute": 12}
